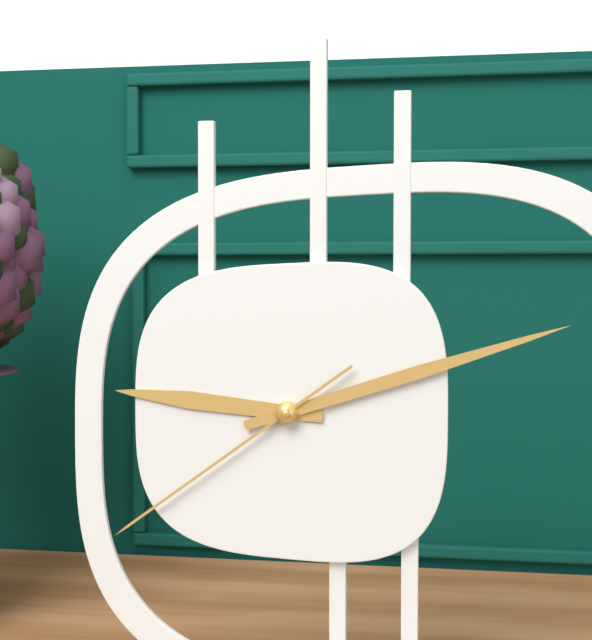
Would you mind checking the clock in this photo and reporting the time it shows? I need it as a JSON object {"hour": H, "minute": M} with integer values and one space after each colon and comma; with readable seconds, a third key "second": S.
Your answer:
{"hour": 9, "minute": 12, "second": 39}
